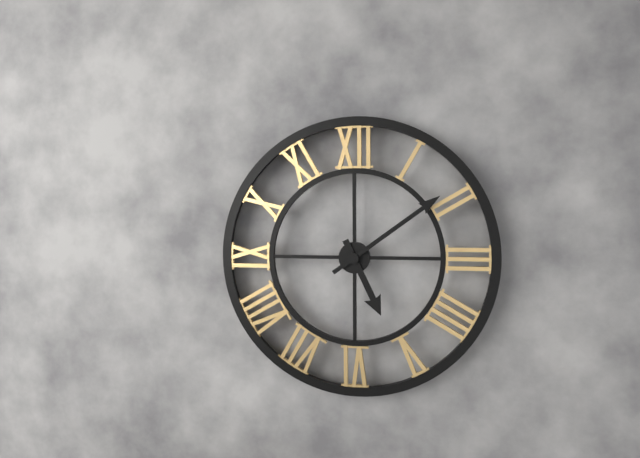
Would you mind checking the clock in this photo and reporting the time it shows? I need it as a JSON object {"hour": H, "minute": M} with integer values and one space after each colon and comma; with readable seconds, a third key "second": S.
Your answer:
{"hour": 5, "minute": 9}
